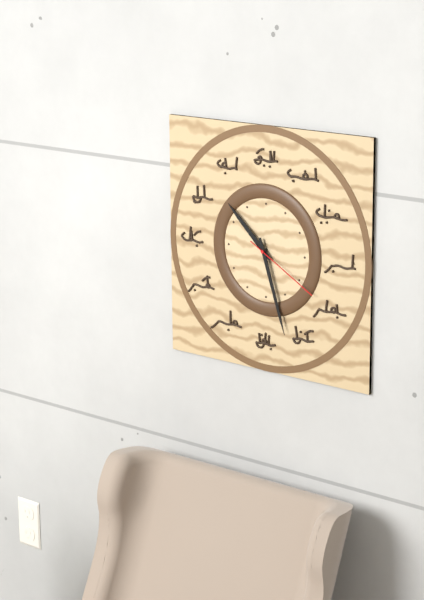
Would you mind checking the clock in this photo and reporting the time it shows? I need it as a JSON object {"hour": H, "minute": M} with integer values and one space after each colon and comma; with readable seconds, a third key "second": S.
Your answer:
{"hour": 10, "minute": 27, "second": 20}
